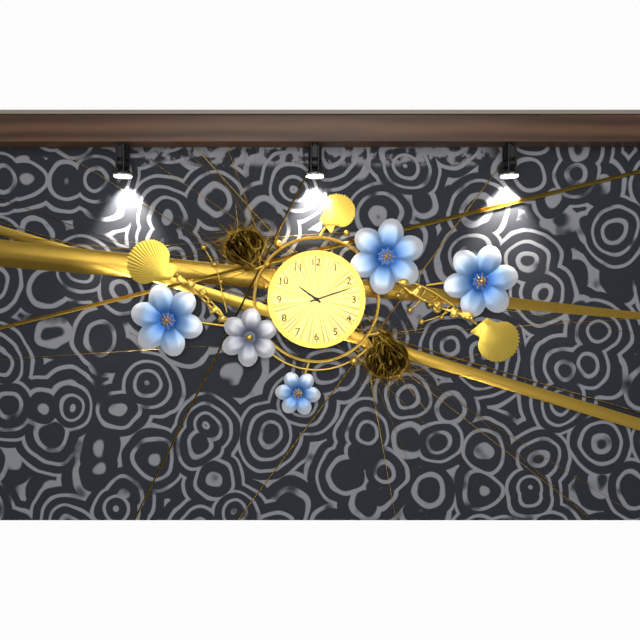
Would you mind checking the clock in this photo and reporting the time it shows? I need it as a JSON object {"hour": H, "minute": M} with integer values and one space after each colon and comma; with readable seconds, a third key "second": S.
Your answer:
{"hour": 10, "minute": 12}
